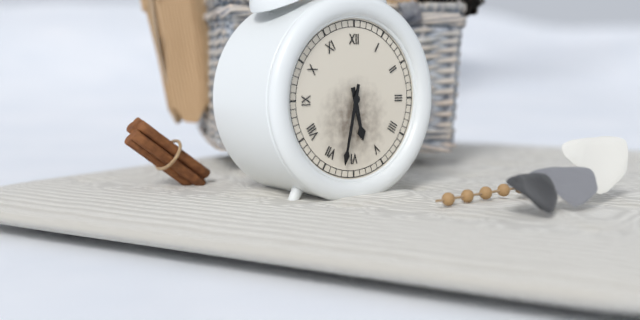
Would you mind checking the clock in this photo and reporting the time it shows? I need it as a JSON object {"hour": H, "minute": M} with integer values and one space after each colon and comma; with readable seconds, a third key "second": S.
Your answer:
{"hour": 5, "minute": 32}
